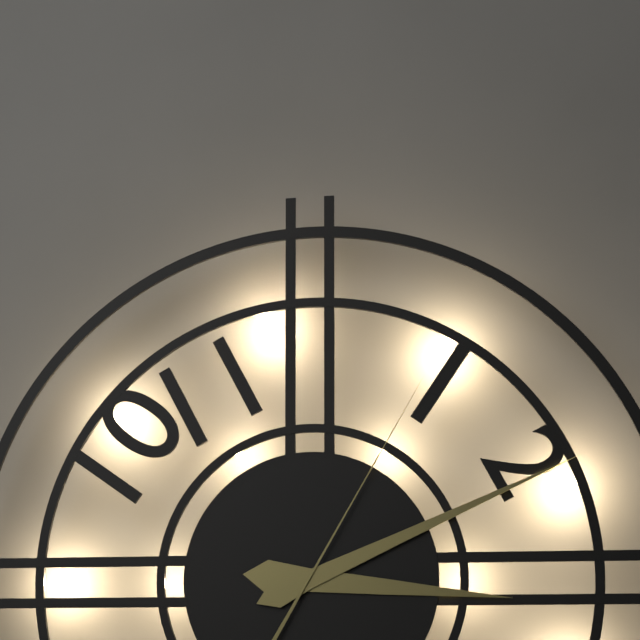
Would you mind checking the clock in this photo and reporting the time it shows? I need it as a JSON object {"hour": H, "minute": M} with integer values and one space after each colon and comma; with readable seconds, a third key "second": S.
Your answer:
{"hour": 3, "minute": 11, "second": 5}
